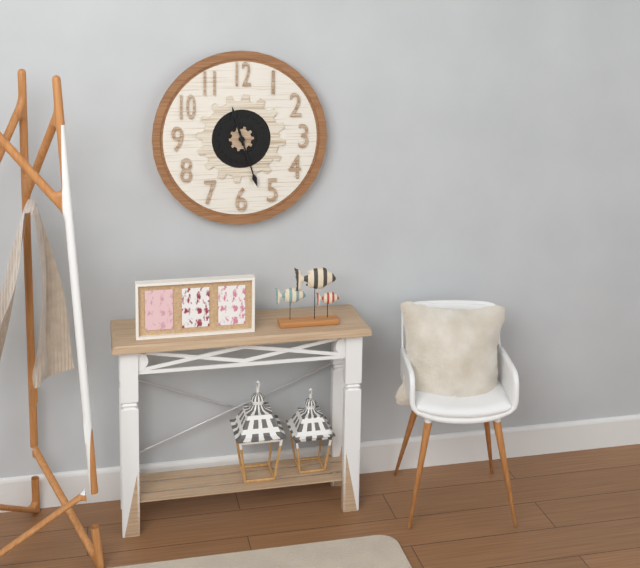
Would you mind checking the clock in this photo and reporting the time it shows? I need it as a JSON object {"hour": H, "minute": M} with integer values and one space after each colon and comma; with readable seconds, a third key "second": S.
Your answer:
{"hour": 11, "minute": 27}
